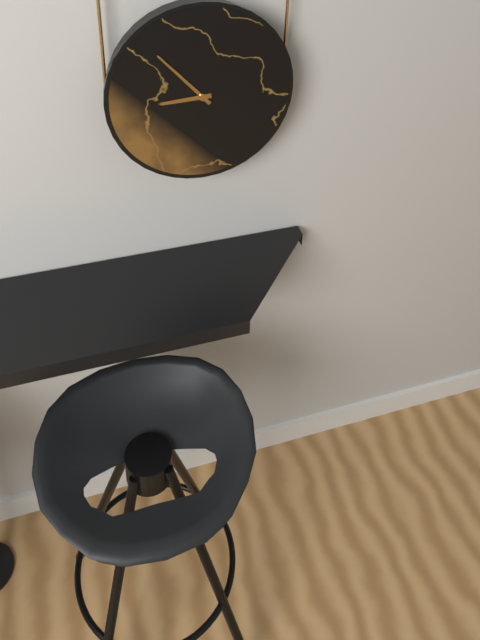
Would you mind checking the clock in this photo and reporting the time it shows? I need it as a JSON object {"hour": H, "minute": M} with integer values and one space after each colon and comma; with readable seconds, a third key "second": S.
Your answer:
{"hour": 8, "minute": 53}
